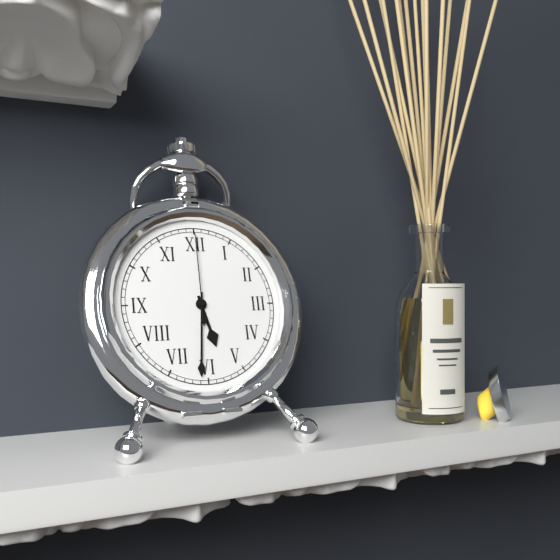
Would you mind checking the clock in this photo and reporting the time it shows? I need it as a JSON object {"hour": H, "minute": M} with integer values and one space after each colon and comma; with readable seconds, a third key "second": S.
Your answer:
{"hour": 5, "minute": 31, "second": 0}
